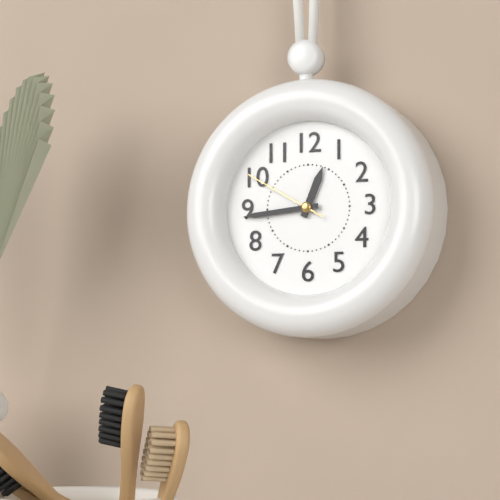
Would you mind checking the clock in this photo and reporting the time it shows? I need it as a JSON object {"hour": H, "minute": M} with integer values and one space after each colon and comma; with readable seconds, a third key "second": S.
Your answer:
{"hour": 12, "minute": 44, "second": 50}
